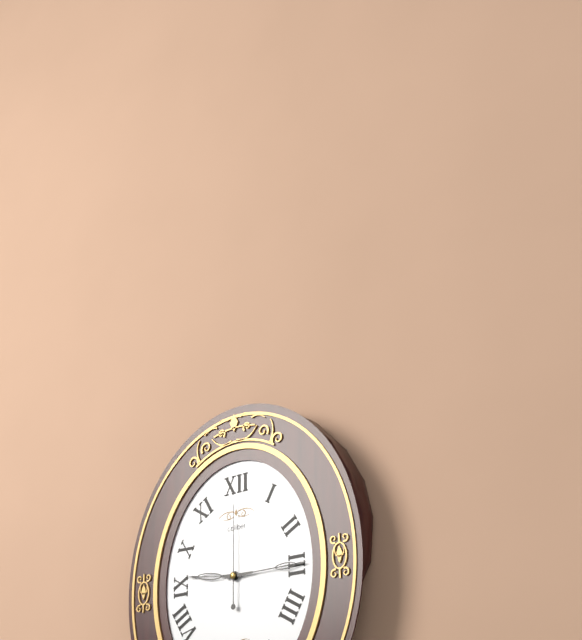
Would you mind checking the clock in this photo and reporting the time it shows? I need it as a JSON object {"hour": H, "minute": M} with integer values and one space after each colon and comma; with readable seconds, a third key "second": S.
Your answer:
{"hour": 9, "minute": 15, "second": 0}
